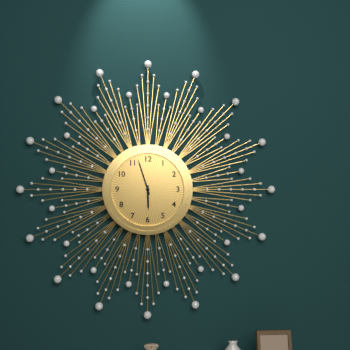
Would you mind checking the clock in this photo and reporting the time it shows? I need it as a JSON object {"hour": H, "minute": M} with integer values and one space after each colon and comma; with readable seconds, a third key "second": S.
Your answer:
{"hour": 5, "minute": 57}
